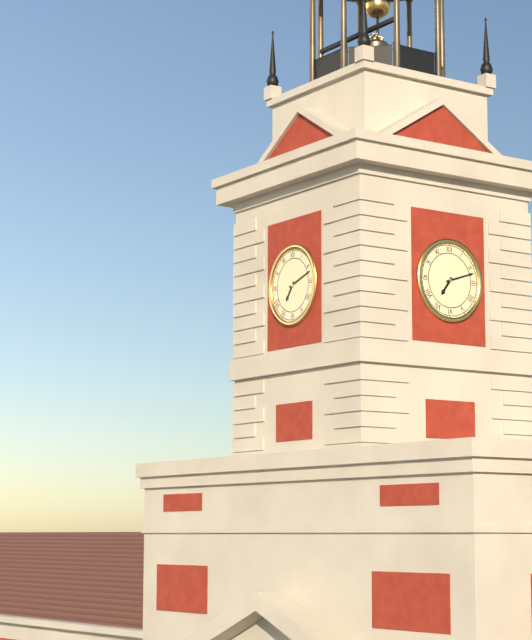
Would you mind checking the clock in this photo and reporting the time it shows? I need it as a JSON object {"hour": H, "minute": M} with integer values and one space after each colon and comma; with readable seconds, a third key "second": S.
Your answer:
{"hour": 7, "minute": 12}
